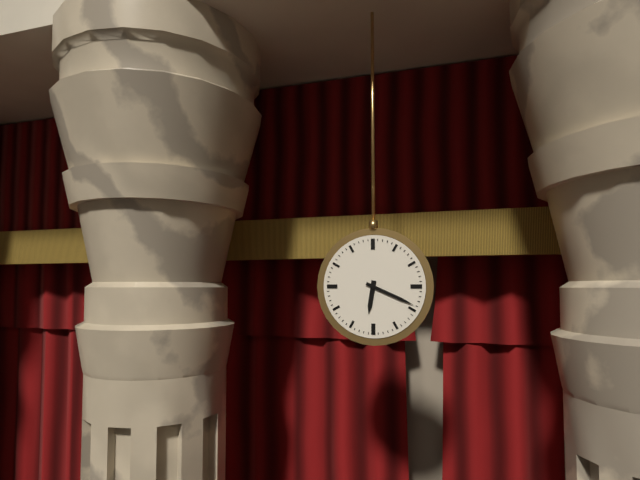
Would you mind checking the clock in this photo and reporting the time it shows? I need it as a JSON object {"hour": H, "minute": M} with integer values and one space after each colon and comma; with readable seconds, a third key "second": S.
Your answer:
{"hour": 6, "minute": 19}
